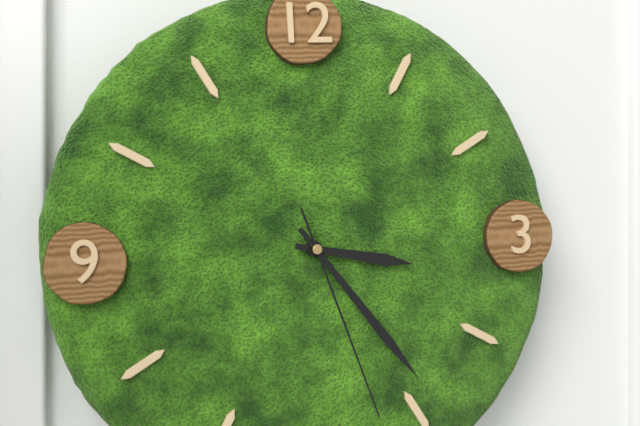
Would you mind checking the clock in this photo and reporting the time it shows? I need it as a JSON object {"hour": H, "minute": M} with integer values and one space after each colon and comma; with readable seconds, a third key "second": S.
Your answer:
{"hour": 3, "minute": 24, "second": 27}
